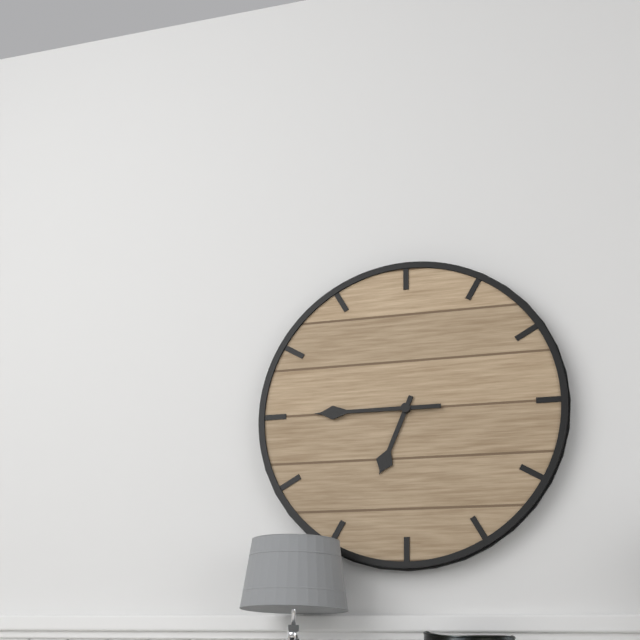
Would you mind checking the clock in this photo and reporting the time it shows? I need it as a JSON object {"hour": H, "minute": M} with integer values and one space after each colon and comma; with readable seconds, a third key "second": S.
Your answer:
{"hour": 6, "minute": 45}
